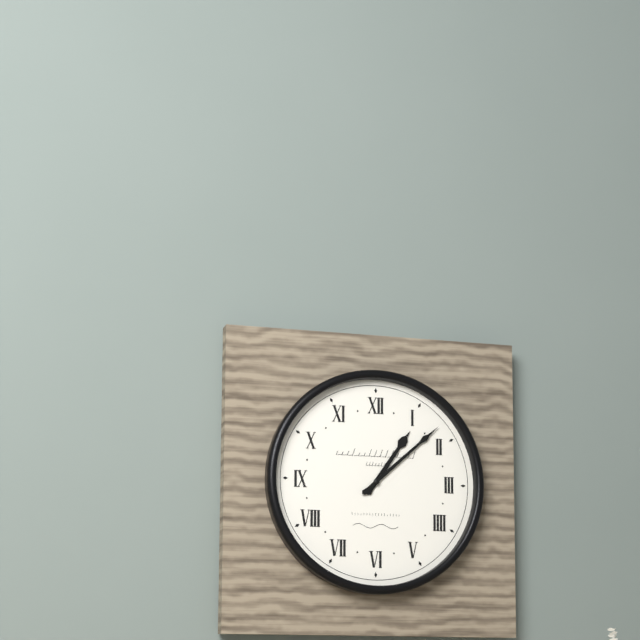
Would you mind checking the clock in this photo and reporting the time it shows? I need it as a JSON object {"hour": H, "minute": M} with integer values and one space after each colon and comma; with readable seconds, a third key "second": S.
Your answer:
{"hour": 1, "minute": 8}
